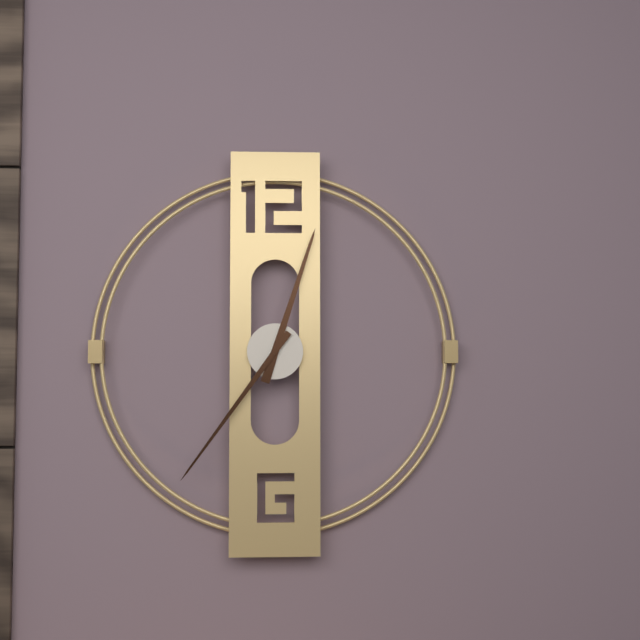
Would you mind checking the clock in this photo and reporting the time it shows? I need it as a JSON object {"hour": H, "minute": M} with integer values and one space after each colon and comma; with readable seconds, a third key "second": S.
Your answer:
{"hour": 12, "minute": 36}
